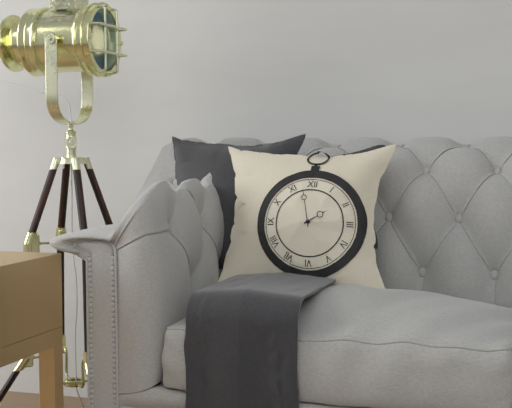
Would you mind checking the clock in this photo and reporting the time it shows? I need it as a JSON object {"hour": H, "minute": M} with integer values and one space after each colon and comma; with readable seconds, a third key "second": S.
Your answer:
{"hour": 1, "minute": 58}
